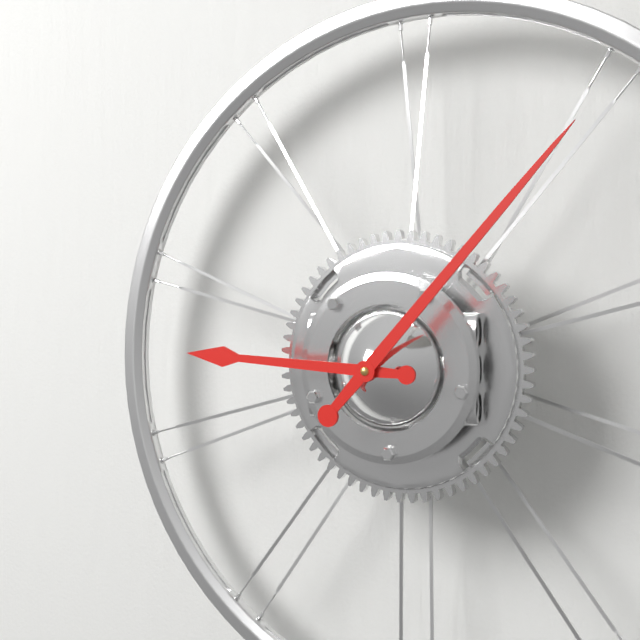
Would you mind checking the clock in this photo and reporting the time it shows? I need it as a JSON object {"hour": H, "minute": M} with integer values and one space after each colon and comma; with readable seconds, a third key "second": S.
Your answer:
{"hour": 9, "minute": 7}
